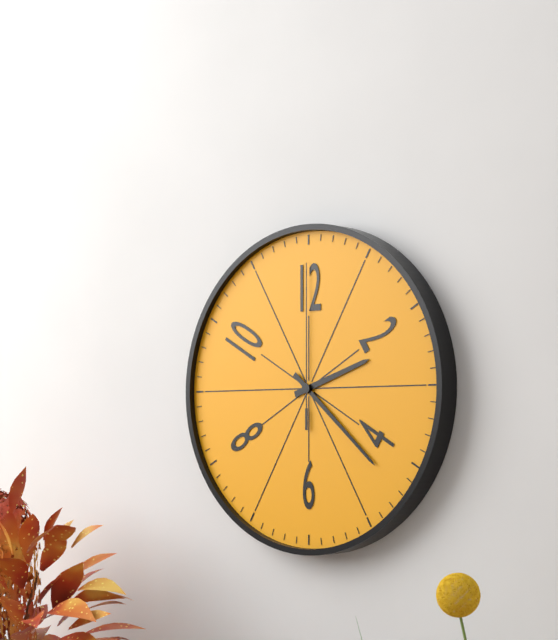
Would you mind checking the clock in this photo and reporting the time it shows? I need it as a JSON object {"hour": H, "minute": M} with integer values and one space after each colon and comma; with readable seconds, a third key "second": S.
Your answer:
{"hour": 2, "minute": 22, "second": 0}
